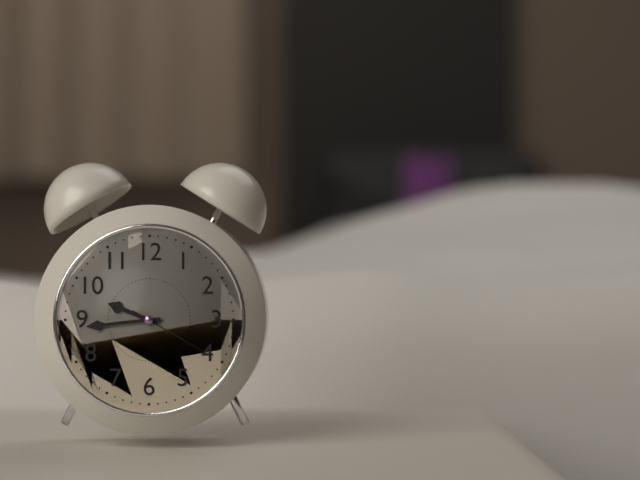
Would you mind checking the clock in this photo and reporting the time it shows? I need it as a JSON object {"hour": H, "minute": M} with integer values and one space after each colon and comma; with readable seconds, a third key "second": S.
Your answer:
{"hour": 9, "minute": 44, "second": 20}
